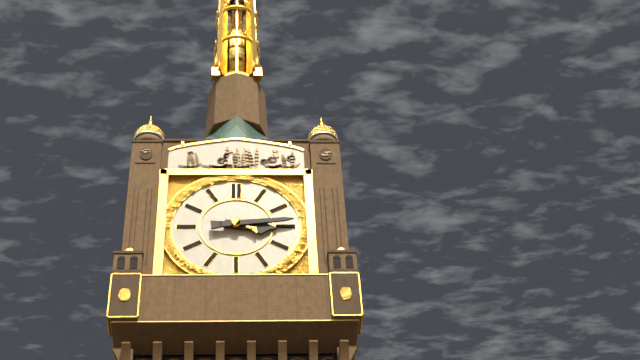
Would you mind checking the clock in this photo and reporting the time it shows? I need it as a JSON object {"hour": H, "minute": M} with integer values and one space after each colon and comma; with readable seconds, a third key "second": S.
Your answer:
{"hour": 3, "minute": 14}
